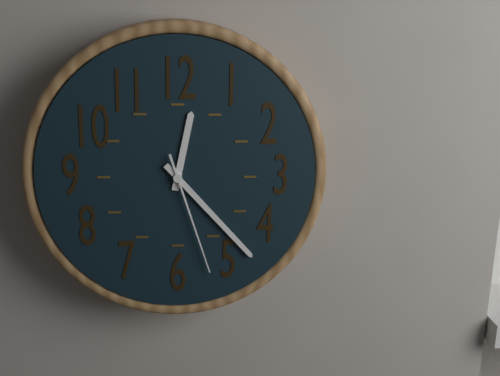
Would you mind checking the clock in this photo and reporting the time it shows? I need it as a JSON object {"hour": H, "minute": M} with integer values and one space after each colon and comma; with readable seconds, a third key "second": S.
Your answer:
{"hour": 12, "minute": 23, "second": 27}
